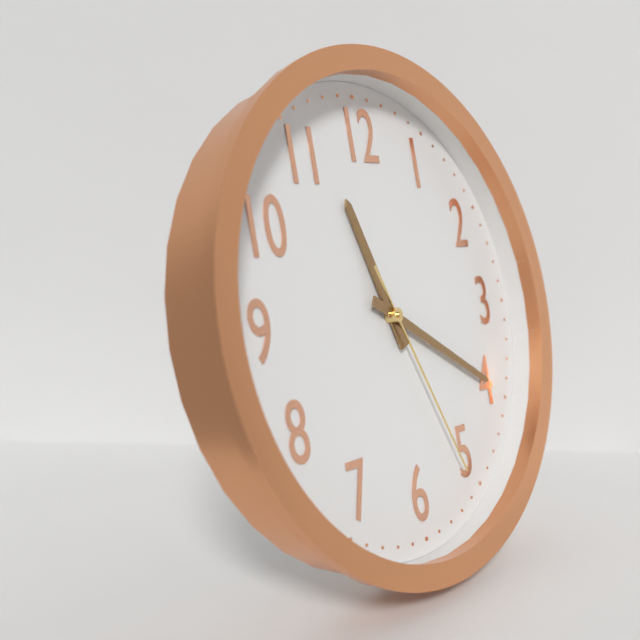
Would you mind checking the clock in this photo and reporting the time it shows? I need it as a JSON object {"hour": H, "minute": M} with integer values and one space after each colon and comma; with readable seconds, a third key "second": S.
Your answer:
{"hour": 11, "minute": 20, "second": 26}
